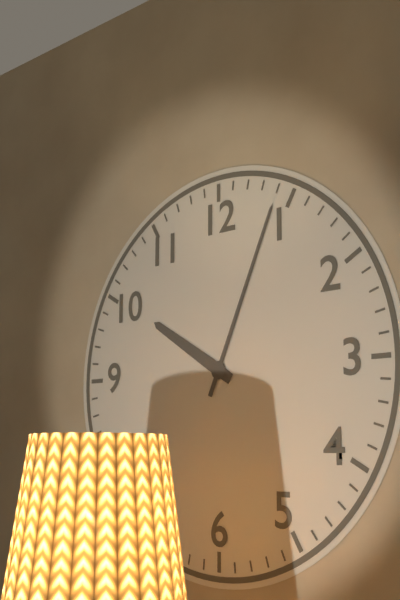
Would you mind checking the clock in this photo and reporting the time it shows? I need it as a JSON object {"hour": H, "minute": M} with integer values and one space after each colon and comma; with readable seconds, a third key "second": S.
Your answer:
{"hour": 10, "minute": 4}
